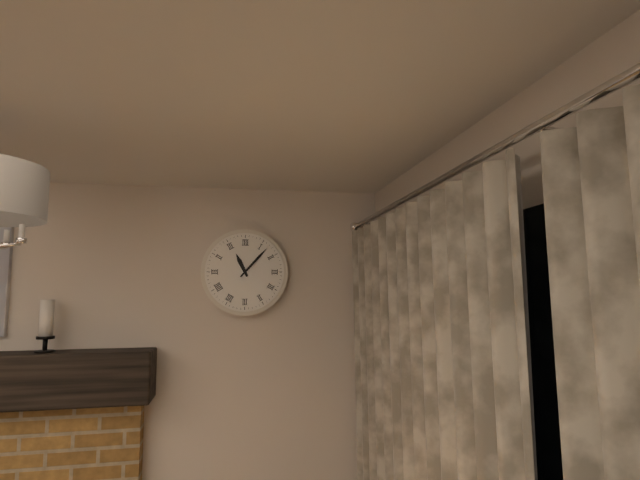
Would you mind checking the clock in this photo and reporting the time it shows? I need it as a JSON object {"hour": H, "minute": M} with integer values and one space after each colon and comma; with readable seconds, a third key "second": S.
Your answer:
{"hour": 11, "minute": 7}
